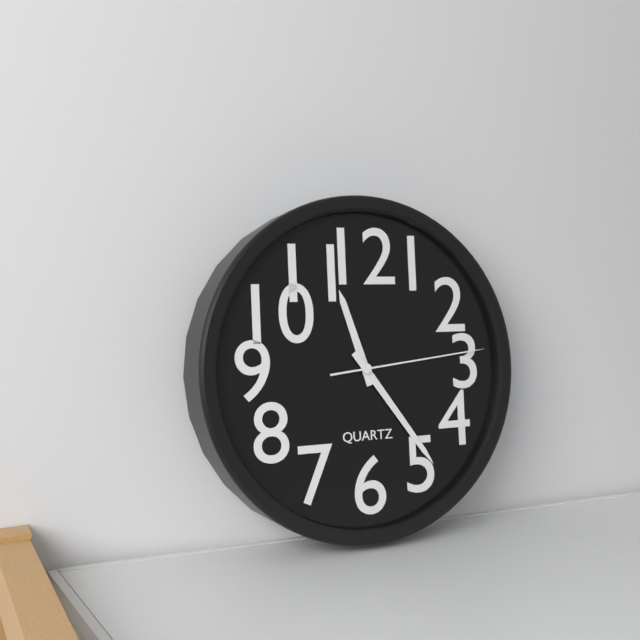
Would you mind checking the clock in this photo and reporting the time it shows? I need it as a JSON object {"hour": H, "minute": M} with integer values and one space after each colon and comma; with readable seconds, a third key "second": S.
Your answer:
{"hour": 11, "minute": 24, "second": 14}
